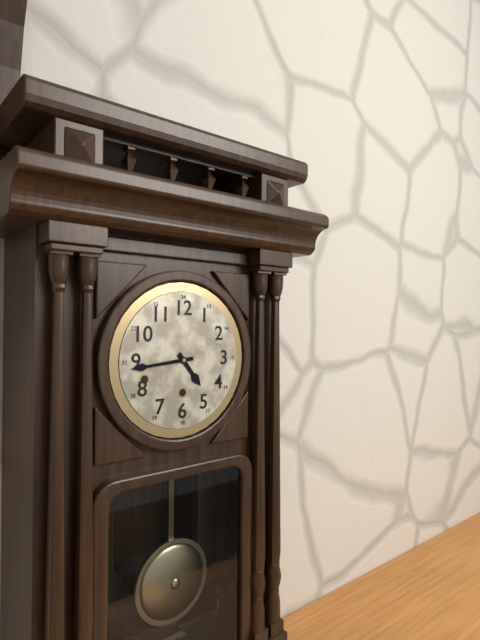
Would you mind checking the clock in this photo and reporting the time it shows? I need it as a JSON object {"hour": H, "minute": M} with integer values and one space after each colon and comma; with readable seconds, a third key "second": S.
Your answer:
{"hour": 4, "minute": 44}
